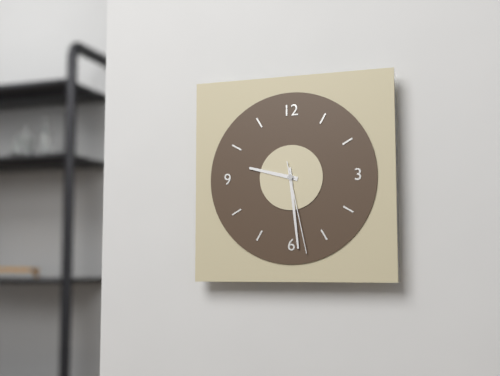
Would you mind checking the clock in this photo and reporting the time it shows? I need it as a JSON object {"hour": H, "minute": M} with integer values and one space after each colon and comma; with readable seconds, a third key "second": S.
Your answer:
{"hour": 9, "minute": 29, "second": 28}
